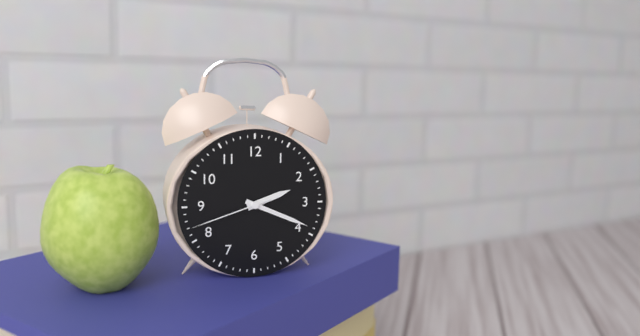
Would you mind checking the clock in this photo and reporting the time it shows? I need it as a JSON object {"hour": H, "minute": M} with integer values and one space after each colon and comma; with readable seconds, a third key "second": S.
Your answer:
{"hour": 2, "minute": 19, "second": 42}
